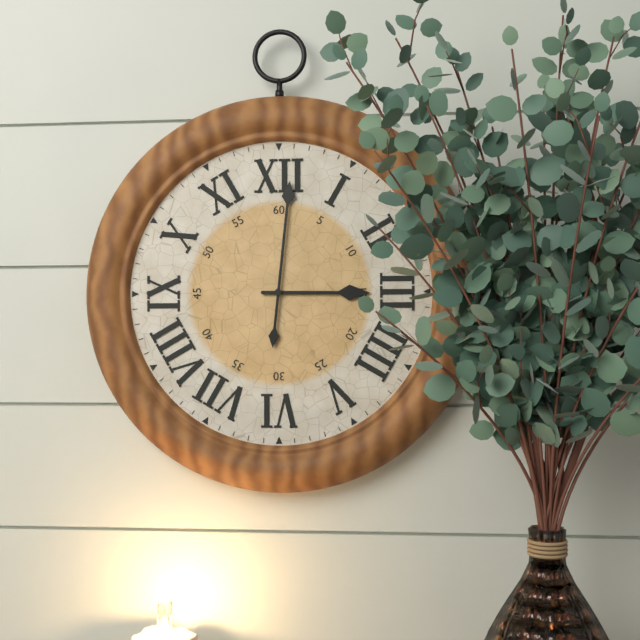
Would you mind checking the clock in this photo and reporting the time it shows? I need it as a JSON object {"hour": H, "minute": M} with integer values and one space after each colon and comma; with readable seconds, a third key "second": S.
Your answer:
{"hour": 3, "minute": 1}
